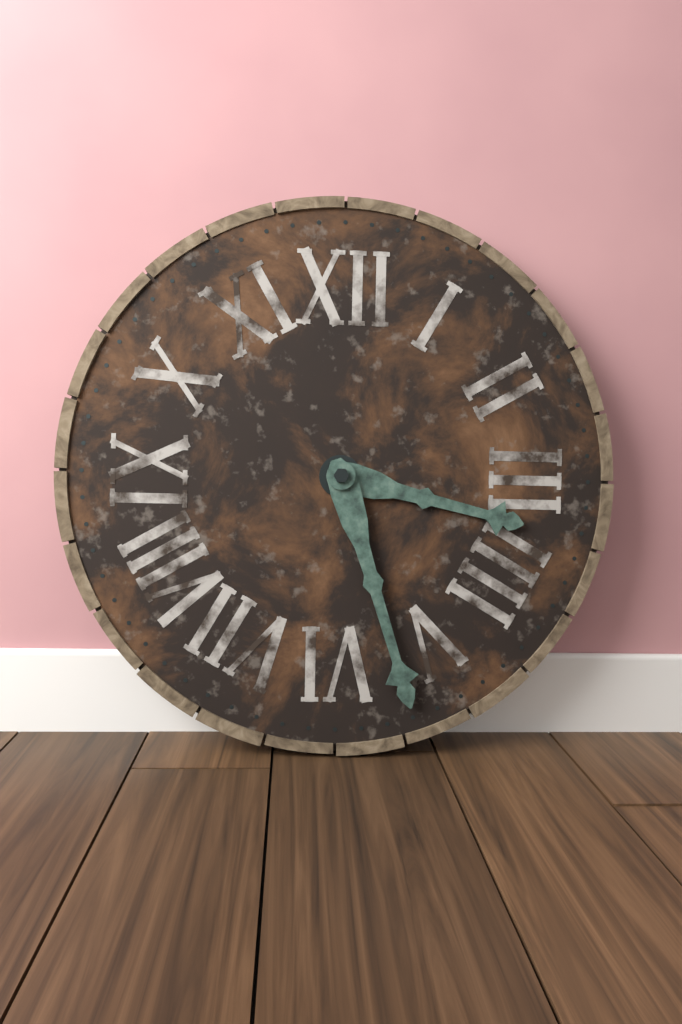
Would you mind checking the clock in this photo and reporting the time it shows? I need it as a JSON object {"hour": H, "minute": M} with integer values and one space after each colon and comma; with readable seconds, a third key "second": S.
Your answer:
{"hour": 3, "minute": 27}
